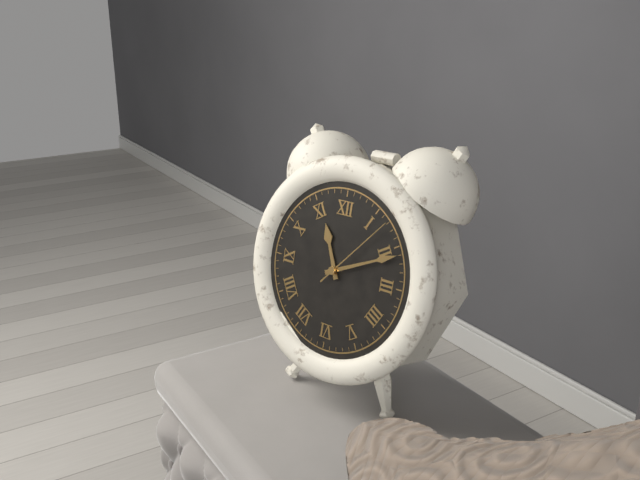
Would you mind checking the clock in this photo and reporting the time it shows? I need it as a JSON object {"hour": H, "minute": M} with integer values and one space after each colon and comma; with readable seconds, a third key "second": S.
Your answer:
{"hour": 11, "minute": 11, "second": 7}
